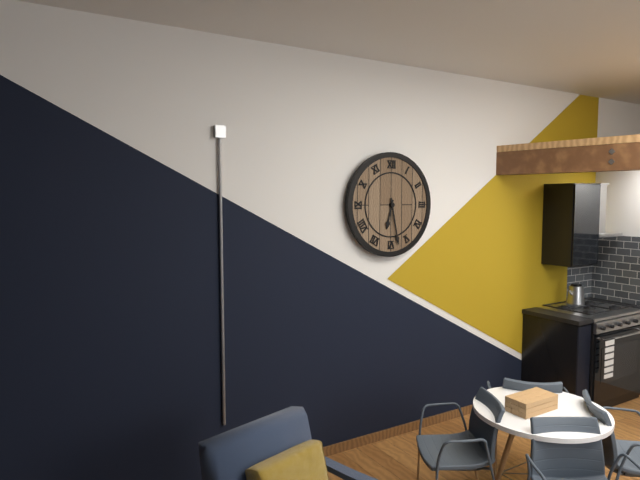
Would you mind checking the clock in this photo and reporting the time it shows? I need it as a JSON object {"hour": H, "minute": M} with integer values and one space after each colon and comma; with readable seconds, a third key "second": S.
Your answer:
{"hour": 6, "minute": 28}
